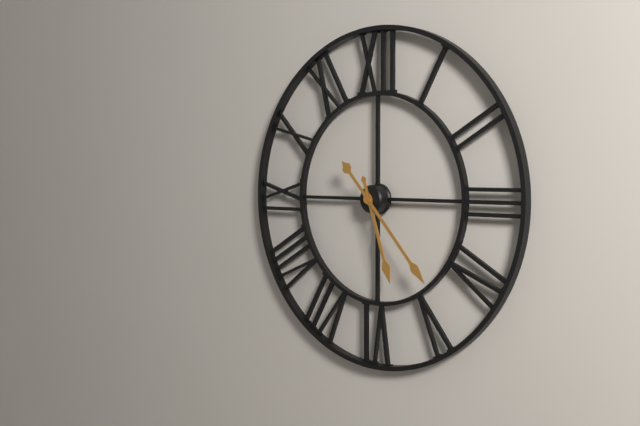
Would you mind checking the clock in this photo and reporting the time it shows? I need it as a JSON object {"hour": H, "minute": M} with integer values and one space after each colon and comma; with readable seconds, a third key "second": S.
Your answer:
{"hour": 5, "minute": 23}
